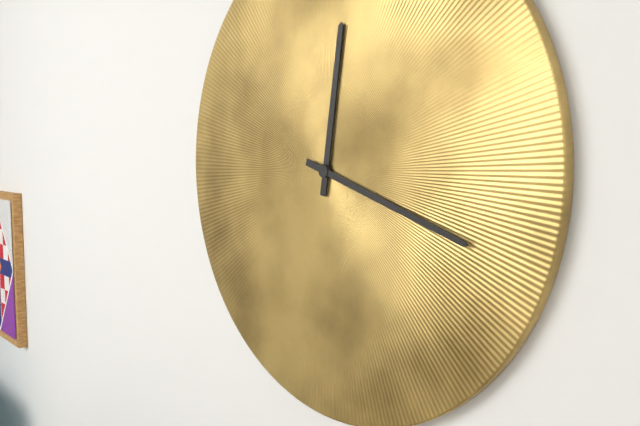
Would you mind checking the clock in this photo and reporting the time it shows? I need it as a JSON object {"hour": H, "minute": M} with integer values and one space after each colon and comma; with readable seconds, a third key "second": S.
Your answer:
{"hour": 12, "minute": 18}
